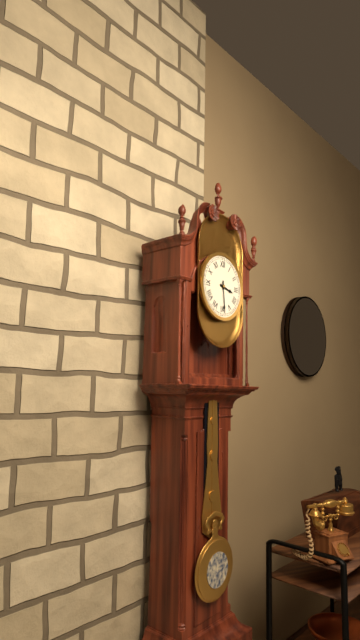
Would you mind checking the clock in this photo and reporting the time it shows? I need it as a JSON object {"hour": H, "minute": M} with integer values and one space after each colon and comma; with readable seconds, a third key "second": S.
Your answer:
{"hour": 3, "minute": 29}
